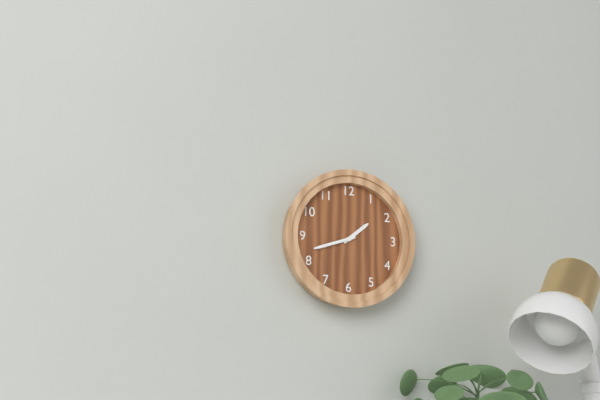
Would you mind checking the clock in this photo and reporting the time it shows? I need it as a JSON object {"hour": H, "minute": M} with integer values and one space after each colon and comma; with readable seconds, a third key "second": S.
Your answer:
{"hour": 1, "minute": 42}
